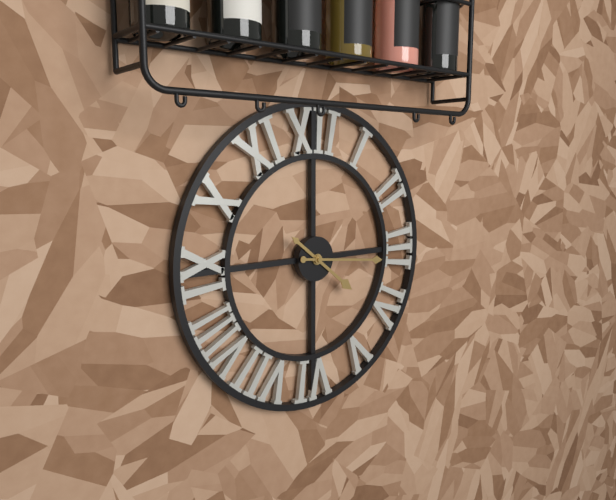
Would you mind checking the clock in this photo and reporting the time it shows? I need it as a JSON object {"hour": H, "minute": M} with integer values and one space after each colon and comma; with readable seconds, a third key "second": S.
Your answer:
{"hour": 4, "minute": 16}
